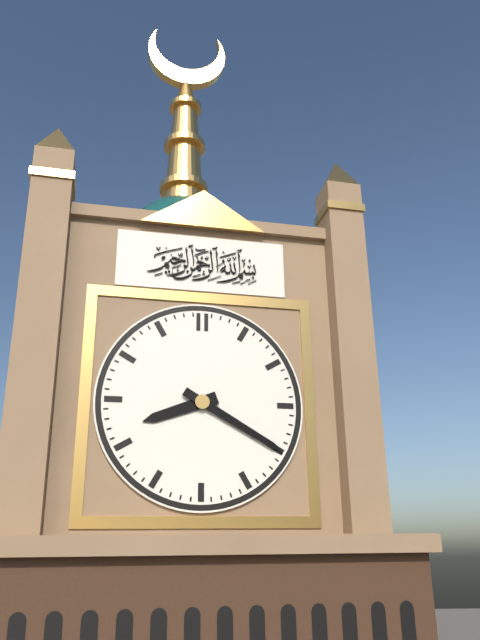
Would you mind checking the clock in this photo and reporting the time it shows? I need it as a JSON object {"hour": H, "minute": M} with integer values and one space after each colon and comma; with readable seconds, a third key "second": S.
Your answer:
{"hour": 8, "minute": 20}
